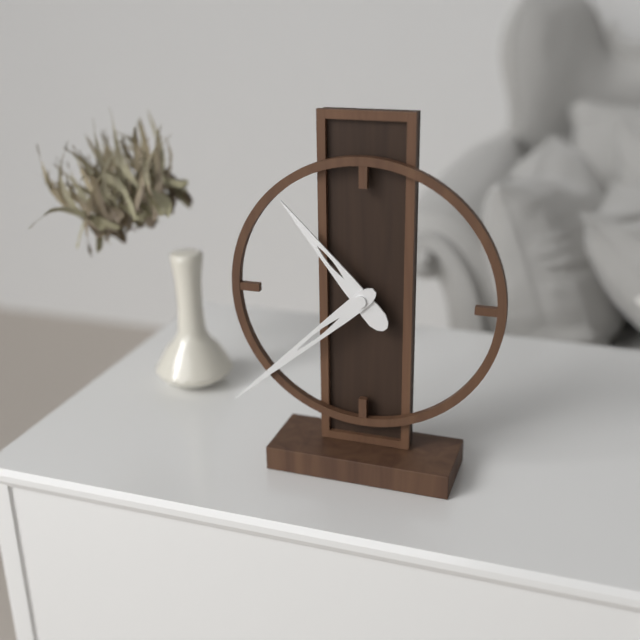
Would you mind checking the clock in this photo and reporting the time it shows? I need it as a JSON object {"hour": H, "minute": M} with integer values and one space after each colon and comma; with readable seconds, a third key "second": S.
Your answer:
{"hour": 10, "minute": 38}
